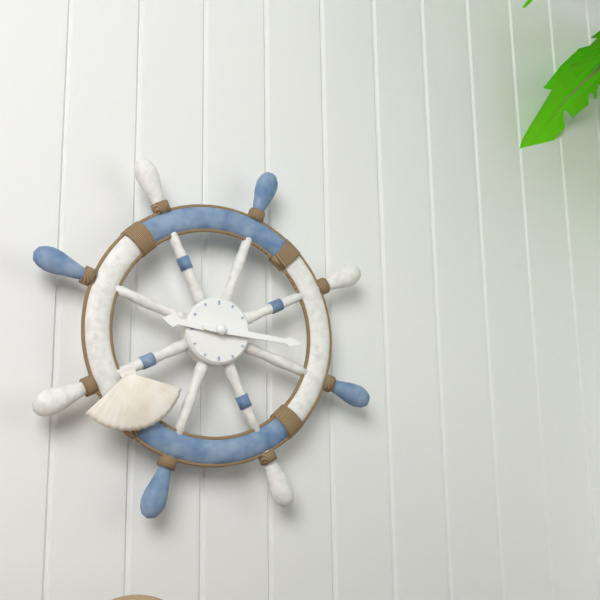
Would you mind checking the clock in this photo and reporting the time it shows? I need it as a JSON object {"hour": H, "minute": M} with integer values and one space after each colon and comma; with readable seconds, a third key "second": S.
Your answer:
{"hour": 9, "minute": 16}
